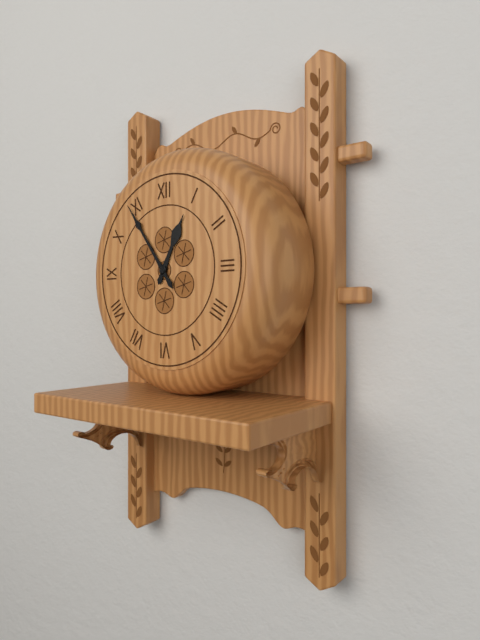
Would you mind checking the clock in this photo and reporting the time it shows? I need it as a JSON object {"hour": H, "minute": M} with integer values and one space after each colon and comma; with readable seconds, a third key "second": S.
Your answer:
{"hour": 12, "minute": 54}
